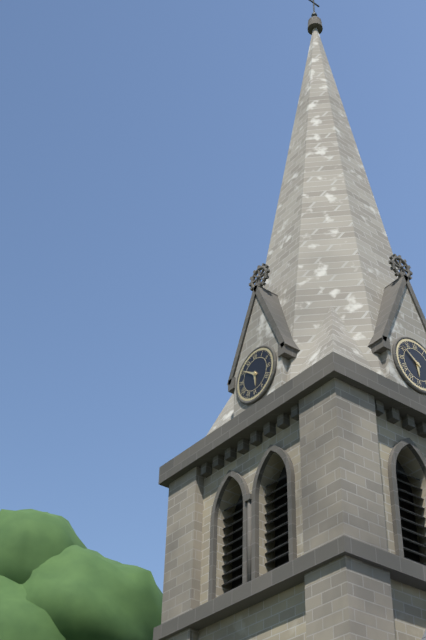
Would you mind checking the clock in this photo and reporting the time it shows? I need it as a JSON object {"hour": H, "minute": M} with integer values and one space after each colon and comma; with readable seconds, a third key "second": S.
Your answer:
{"hour": 5, "minute": 51}
